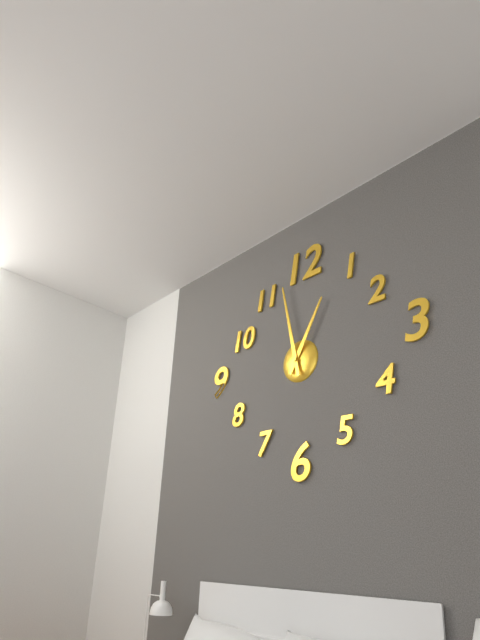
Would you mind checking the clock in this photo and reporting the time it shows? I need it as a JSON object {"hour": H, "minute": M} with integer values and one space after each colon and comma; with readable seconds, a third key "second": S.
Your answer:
{"hour": 12, "minute": 58}
